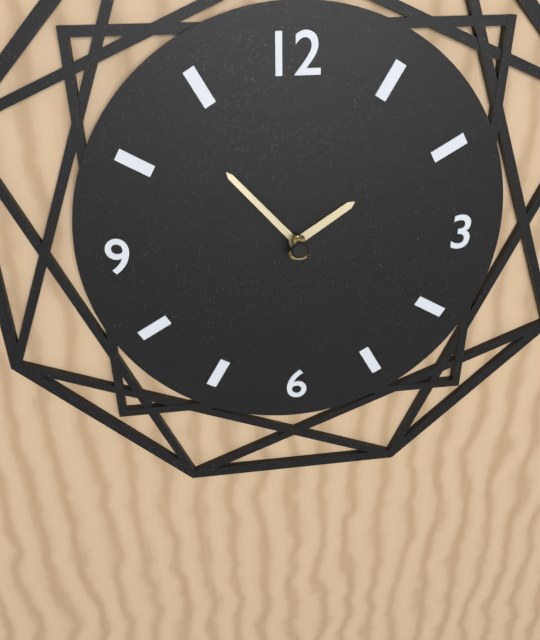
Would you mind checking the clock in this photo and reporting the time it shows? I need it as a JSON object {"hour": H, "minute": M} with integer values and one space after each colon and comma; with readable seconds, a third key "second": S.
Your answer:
{"hour": 1, "minute": 53}
